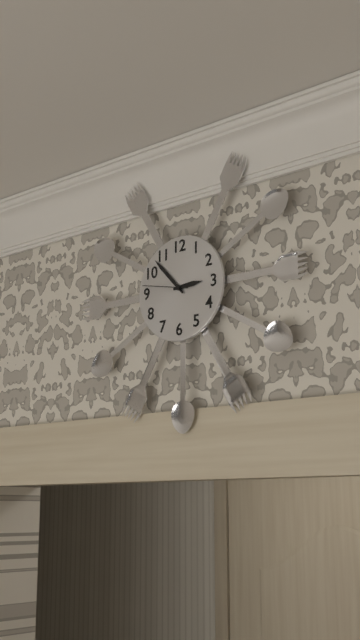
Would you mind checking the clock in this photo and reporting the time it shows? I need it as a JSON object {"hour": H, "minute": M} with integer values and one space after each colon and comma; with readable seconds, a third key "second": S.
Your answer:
{"hour": 2, "minute": 53}
